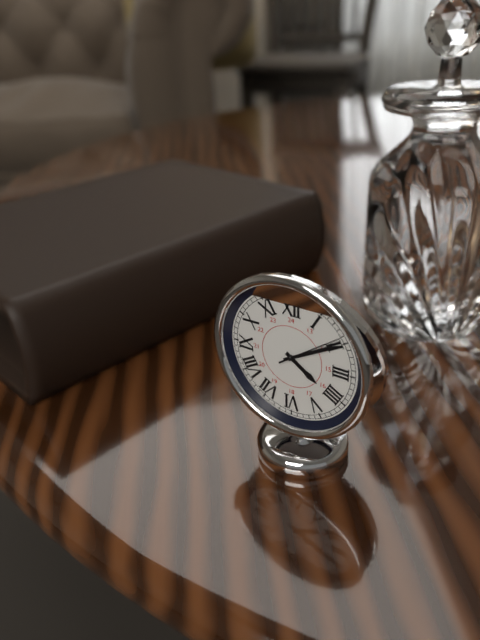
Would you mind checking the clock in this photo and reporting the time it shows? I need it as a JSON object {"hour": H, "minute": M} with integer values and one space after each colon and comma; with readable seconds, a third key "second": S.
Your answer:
{"hour": 4, "minute": 10, "second": 9}
